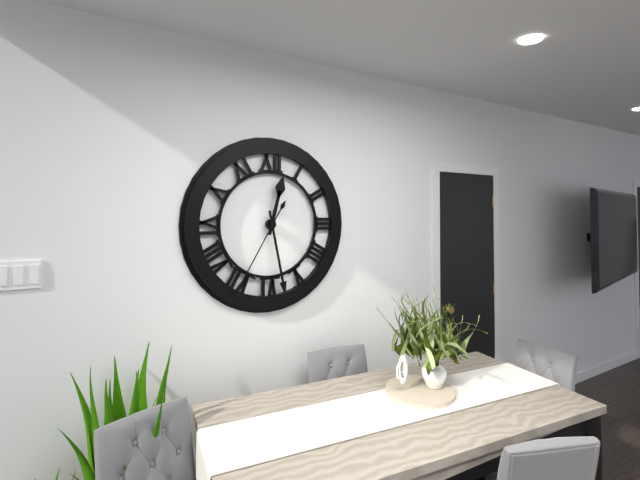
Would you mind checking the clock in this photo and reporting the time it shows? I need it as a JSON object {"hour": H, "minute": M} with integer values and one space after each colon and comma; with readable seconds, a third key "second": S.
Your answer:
{"hour": 12, "minute": 28, "second": 35}
